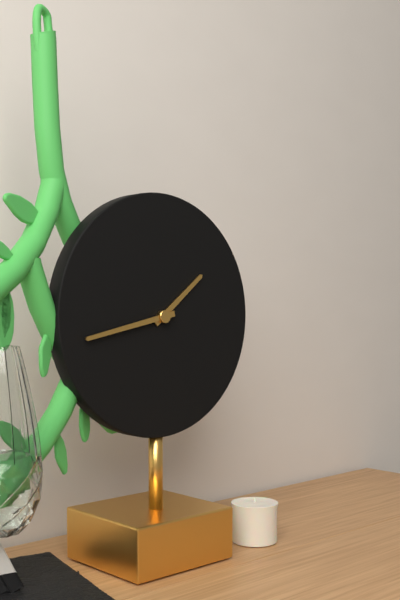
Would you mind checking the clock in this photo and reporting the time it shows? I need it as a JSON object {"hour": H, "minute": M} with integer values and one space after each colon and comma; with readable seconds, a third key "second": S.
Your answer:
{"hour": 1, "minute": 43}
